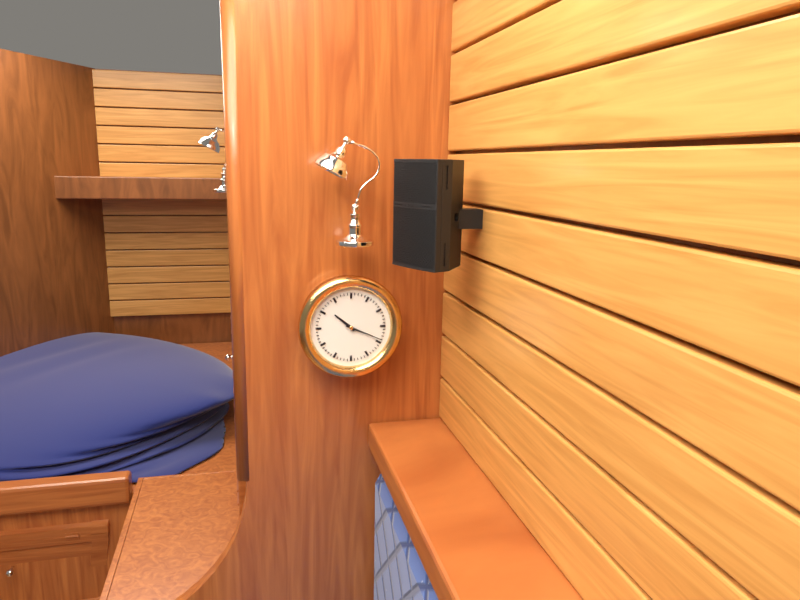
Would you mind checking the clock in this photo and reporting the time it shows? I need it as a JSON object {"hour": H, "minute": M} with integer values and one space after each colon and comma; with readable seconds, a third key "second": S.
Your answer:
{"hour": 10, "minute": 19}
